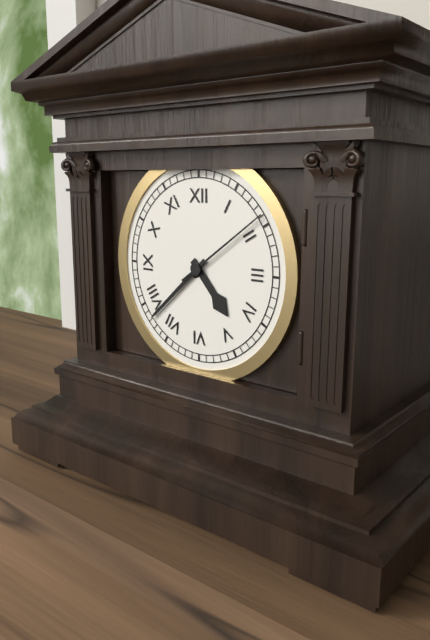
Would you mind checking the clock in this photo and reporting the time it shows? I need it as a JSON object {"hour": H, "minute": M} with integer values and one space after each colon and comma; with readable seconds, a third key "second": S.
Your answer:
{"hour": 4, "minute": 38, "second": 9}
